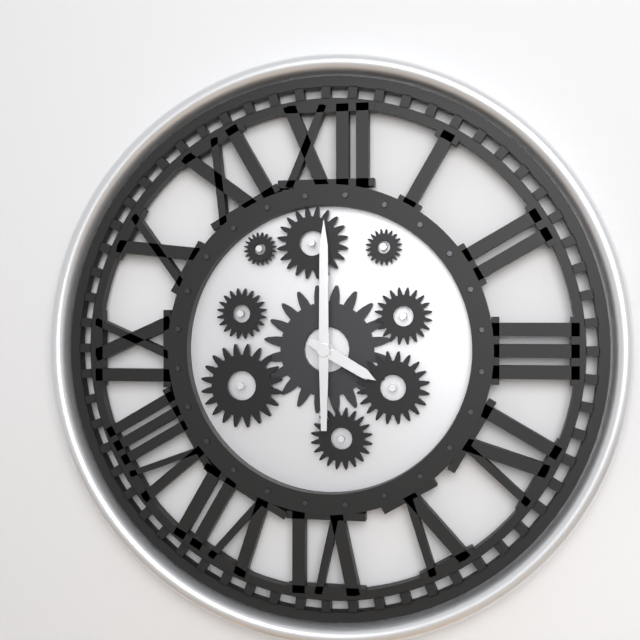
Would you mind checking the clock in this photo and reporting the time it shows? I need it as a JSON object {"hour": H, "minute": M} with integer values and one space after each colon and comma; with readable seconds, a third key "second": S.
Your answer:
{"hour": 4, "minute": 0}
